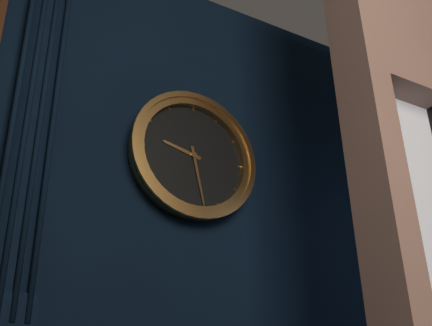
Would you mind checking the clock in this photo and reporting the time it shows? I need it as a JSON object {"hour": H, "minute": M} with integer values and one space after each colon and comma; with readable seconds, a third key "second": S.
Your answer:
{"hour": 9, "minute": 28}
